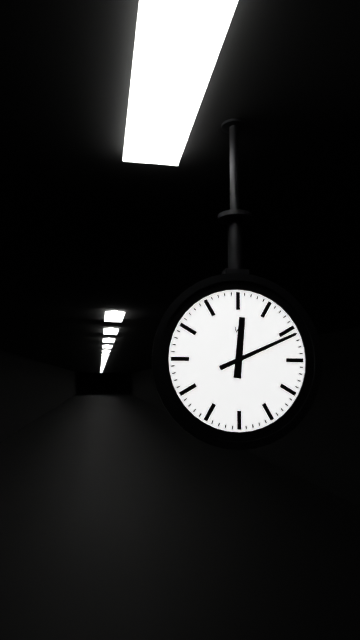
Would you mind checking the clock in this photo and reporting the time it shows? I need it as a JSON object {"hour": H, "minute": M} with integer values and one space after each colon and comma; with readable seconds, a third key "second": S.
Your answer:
{"hour": 12, "minute": 11}
